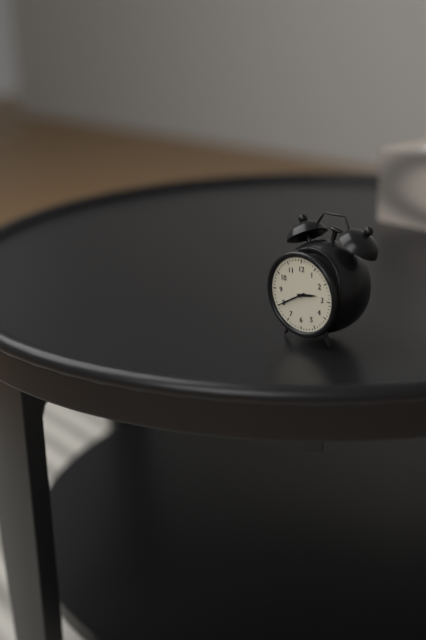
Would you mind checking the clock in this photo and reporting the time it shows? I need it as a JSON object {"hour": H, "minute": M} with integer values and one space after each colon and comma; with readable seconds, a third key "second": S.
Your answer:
{"hour": 2, "minute": 40}
